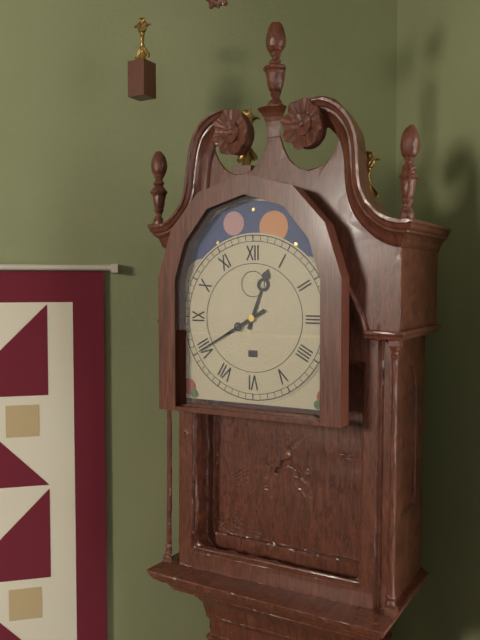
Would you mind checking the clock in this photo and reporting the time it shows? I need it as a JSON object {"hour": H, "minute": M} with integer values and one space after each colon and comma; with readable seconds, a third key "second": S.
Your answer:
{"hour": 12, "minute": 40}
